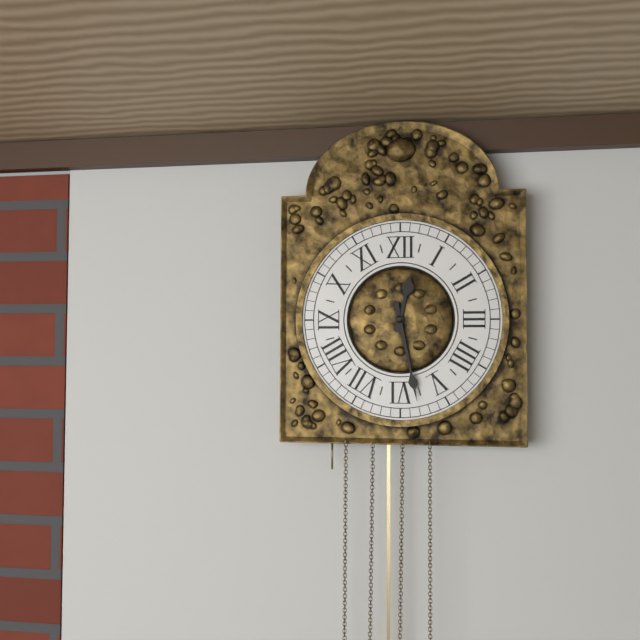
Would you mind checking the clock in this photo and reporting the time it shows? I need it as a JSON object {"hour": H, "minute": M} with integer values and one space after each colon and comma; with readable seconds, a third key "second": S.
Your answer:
{"hour": 12, "minute": 28}
